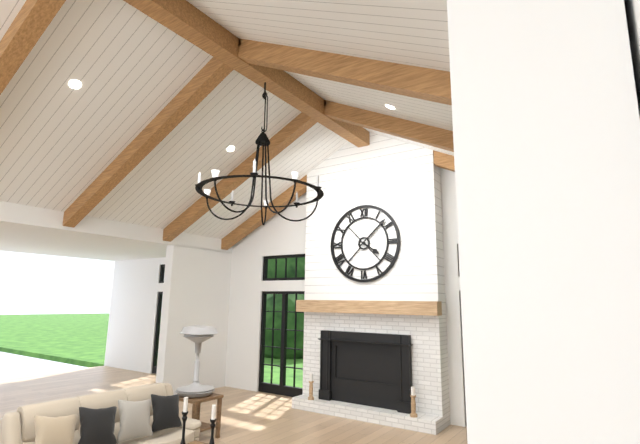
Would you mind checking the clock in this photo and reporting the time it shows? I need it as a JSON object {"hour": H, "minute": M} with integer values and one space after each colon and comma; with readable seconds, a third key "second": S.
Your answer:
{"hour": 4, "minute": 8}
